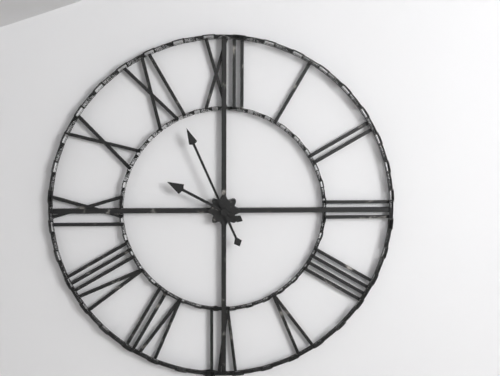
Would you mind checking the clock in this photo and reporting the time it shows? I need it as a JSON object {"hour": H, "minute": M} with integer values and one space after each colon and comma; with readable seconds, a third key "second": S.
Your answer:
{"hour": 9, "minute": 56}
